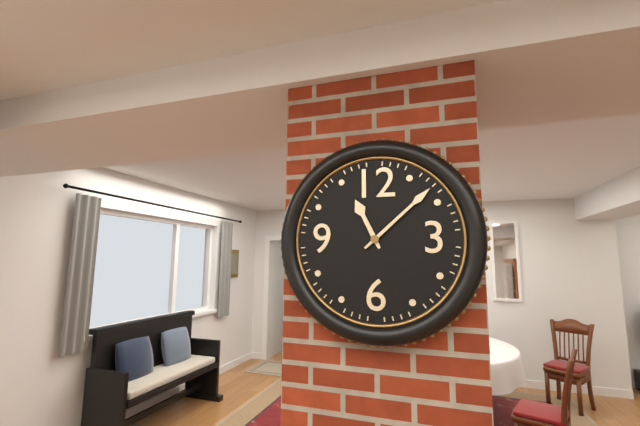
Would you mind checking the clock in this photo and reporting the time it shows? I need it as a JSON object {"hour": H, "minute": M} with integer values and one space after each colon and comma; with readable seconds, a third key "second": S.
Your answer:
{"hour": 11, "minute": 8}
